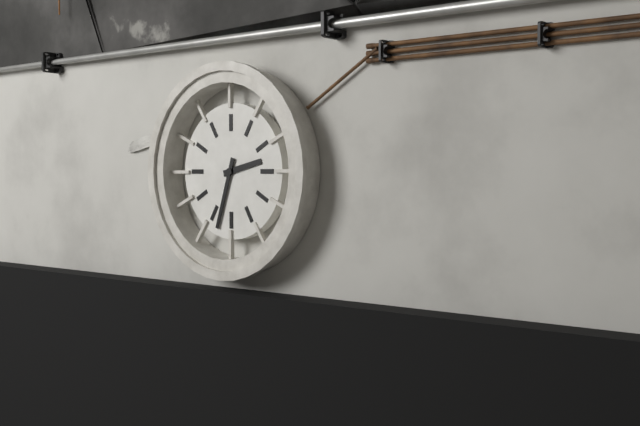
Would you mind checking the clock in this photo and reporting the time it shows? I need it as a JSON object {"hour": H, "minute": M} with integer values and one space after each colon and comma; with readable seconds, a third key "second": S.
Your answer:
{"hour": 2, "minute": 33}
